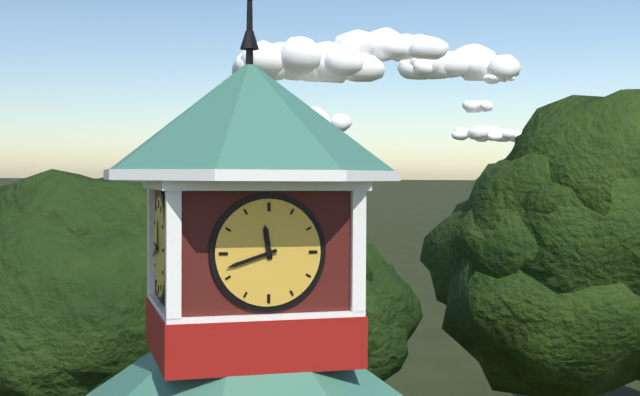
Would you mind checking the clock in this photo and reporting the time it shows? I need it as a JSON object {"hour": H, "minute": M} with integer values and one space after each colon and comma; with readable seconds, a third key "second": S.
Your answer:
{"hour": 11, "minute": 42}
